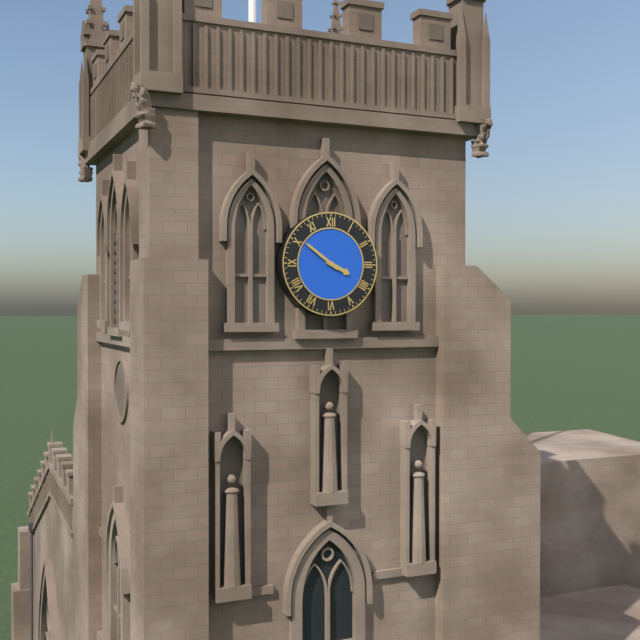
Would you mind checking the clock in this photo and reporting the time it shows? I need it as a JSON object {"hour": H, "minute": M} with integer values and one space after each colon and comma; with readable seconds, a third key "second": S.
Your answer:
{"hour": 3, "minute": 51}
